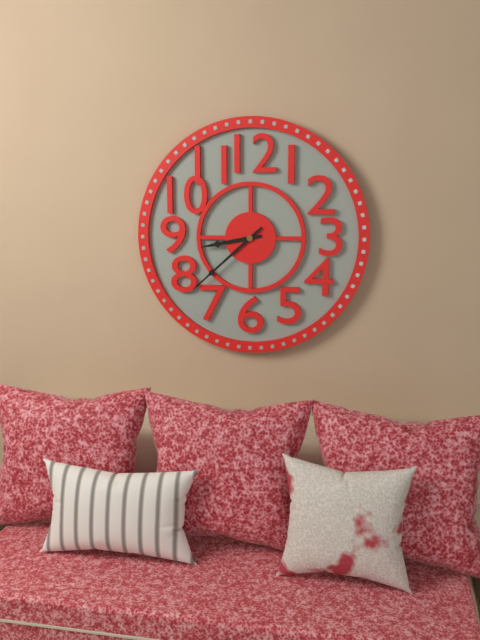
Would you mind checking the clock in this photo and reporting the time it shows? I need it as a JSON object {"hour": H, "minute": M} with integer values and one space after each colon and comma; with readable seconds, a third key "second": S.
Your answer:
{"hour": 8, "minute": 38}
